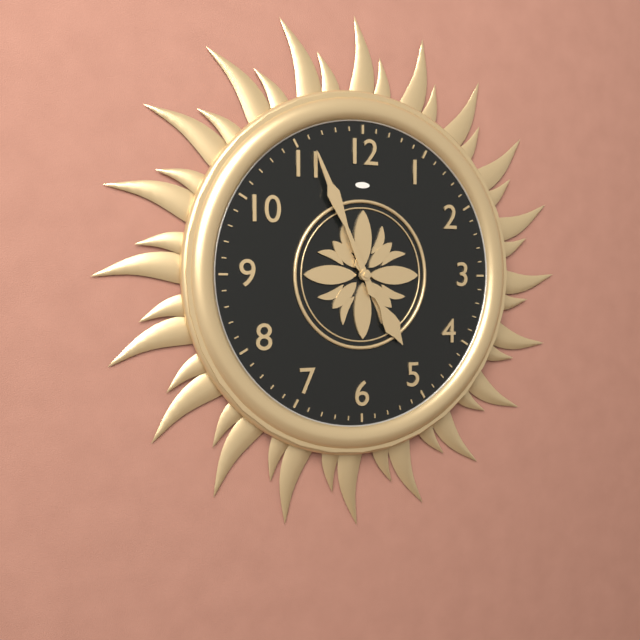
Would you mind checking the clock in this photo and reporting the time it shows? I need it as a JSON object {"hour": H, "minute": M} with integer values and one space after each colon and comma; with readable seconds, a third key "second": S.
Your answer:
{"hour": 4, "minute": 56}
